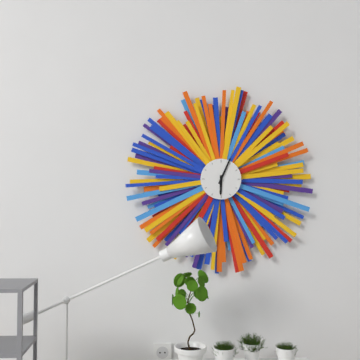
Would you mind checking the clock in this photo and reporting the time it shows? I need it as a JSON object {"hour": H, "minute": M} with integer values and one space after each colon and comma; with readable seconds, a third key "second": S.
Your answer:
{"hour": 6, "minute": 4}
